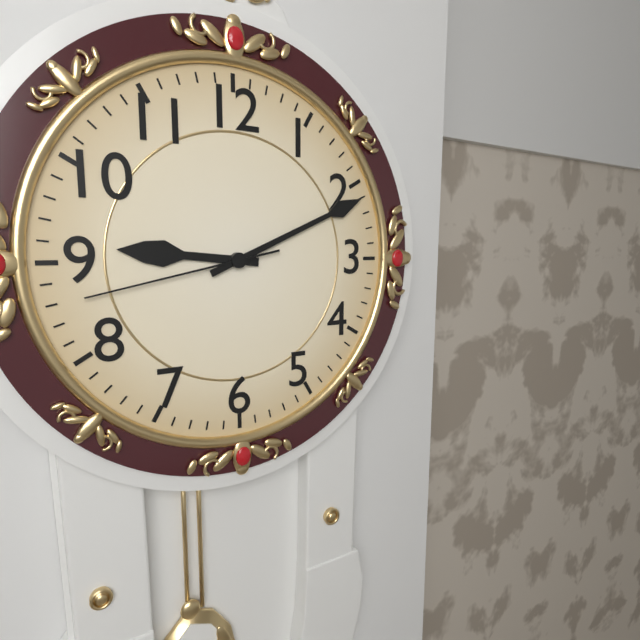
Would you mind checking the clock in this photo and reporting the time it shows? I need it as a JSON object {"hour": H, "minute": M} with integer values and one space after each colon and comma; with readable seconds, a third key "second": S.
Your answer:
{"hour": 9, "minute": 11, "second": 43}
